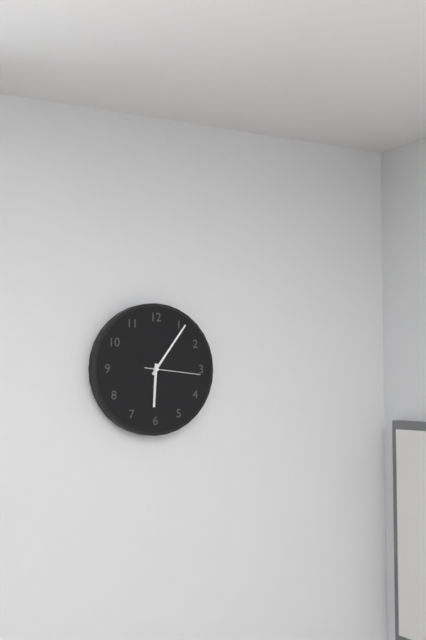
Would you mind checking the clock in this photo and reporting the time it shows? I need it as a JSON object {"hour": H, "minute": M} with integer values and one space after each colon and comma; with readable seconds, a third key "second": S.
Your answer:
{"hour": 6, "minute": 6, "second": 16}
